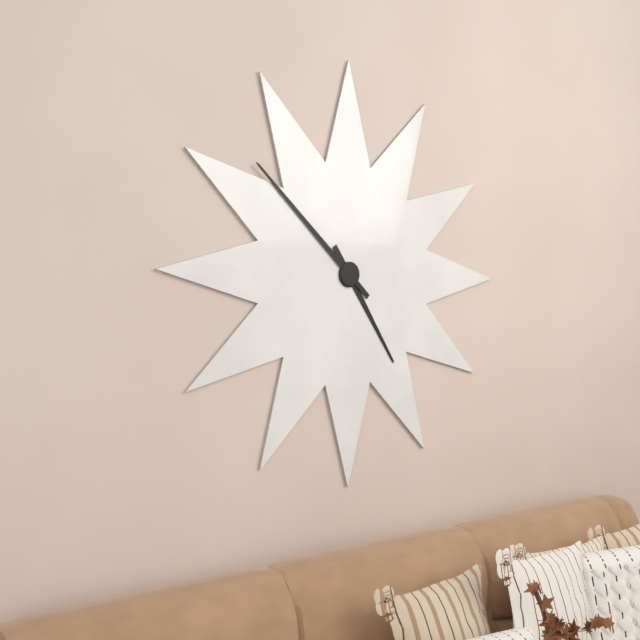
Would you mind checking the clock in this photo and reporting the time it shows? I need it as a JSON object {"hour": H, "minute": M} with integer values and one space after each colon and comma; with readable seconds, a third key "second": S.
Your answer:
{"hour": 4, "minute": 52}
